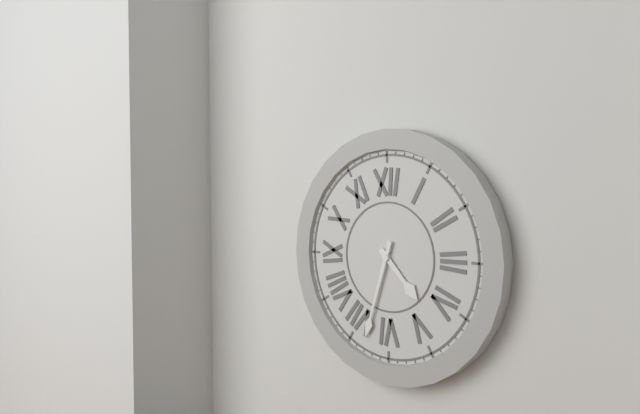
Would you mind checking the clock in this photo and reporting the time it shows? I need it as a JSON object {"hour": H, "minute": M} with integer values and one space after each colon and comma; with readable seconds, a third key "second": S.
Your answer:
{"hour": 4, "minute": 33}
